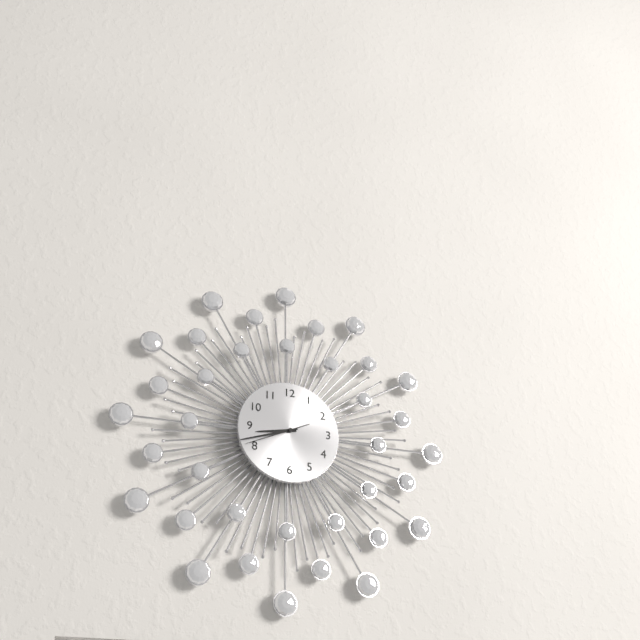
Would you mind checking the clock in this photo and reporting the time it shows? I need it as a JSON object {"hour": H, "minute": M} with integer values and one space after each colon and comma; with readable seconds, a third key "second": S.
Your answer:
{"hour": 8, "minute": 42, "second": 41}
